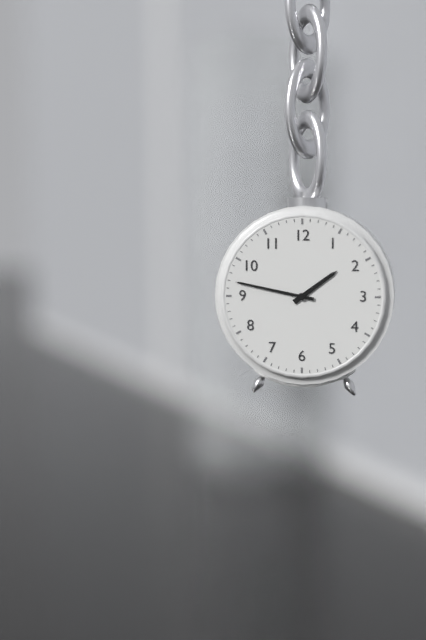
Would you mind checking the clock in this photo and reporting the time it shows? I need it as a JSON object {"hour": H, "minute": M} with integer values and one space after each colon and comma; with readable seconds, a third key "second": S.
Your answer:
{"hour": 1, "minute": 47}
